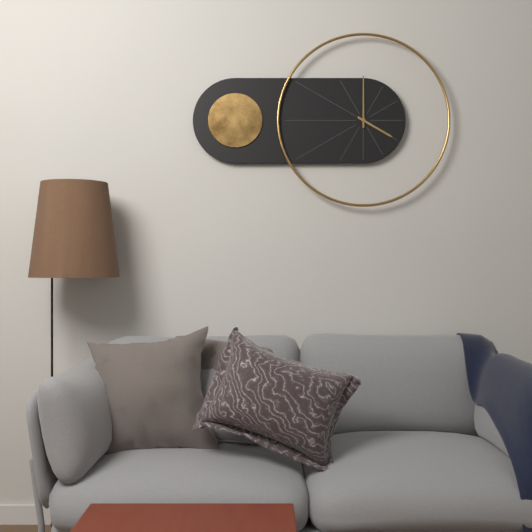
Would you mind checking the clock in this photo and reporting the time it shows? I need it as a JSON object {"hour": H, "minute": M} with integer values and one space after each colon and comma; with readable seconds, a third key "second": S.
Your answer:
{"hour": 4, "minute": 0}
